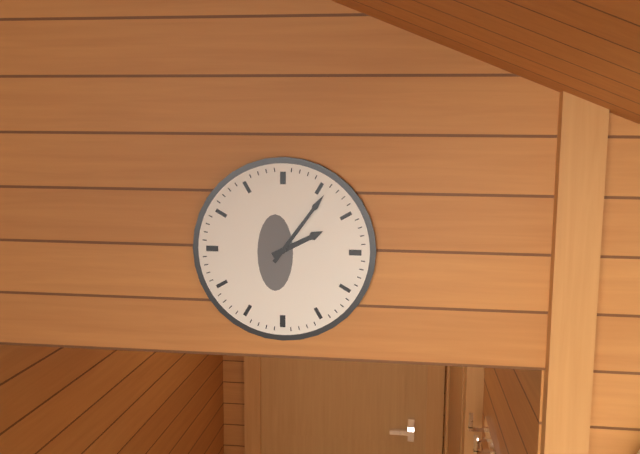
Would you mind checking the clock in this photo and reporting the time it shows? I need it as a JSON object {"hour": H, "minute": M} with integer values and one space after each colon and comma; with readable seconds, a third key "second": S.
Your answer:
{"hour": 2, "minute": 6}
